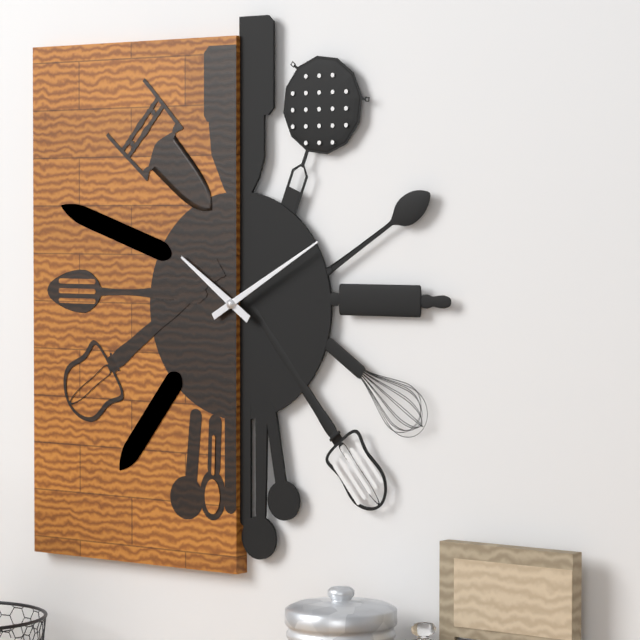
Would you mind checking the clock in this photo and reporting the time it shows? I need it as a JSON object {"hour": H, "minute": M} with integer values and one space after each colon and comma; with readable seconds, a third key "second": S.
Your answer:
{"hour": 10, "minute": 10}
